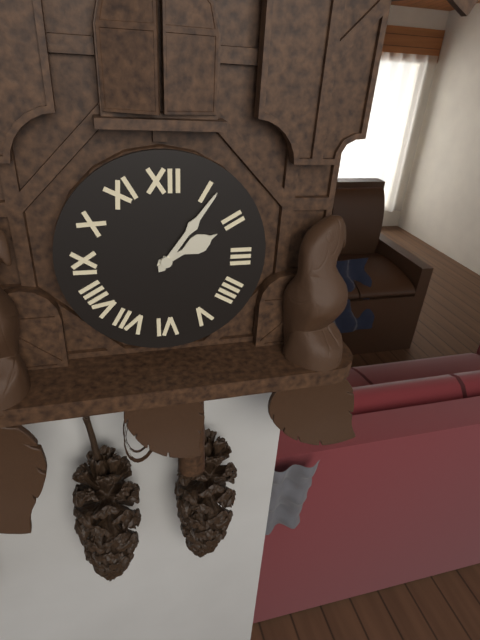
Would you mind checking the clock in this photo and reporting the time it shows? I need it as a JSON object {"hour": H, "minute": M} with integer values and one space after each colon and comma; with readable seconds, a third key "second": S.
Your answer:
{"hour": 2, "minute": 6}
